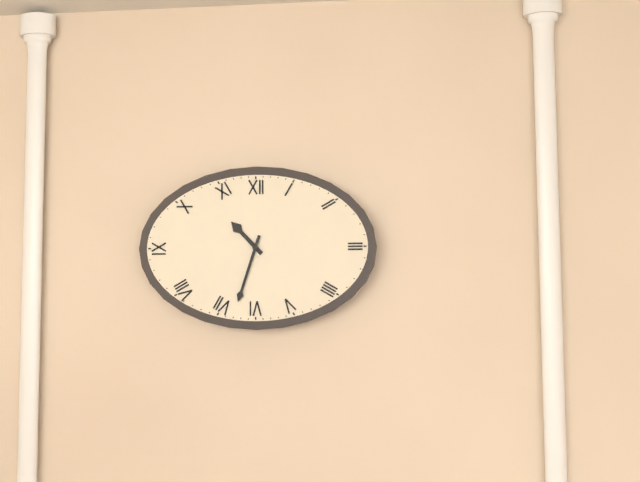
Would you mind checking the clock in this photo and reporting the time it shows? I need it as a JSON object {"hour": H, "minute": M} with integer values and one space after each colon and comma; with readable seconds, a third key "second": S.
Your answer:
{"hour": 10, "minute": 33}
